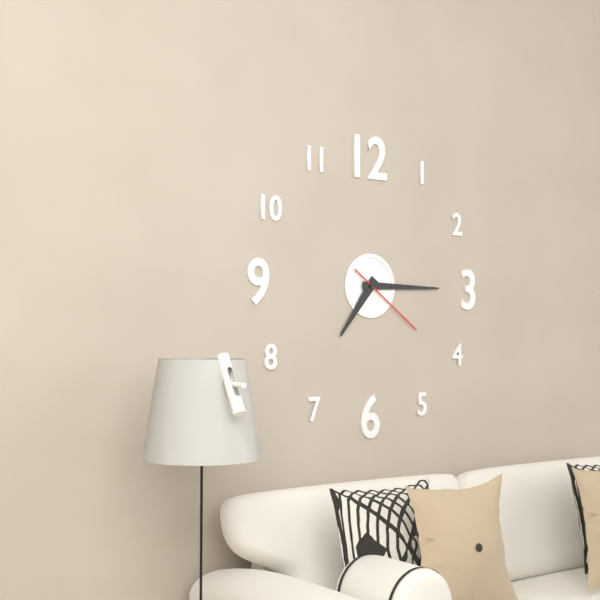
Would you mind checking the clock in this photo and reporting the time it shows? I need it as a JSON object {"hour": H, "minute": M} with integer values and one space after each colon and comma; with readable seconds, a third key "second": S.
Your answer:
{"hour": 7, "minute": 15, "second": 21}
